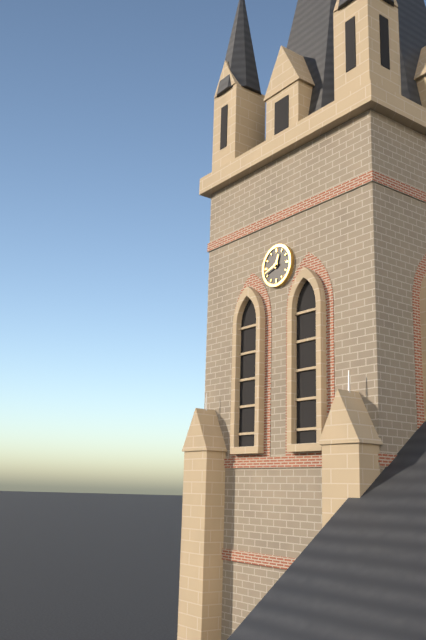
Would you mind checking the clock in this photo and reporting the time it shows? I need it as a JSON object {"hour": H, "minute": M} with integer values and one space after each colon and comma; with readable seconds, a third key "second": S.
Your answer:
{"hour": 12, "minute": 42}
